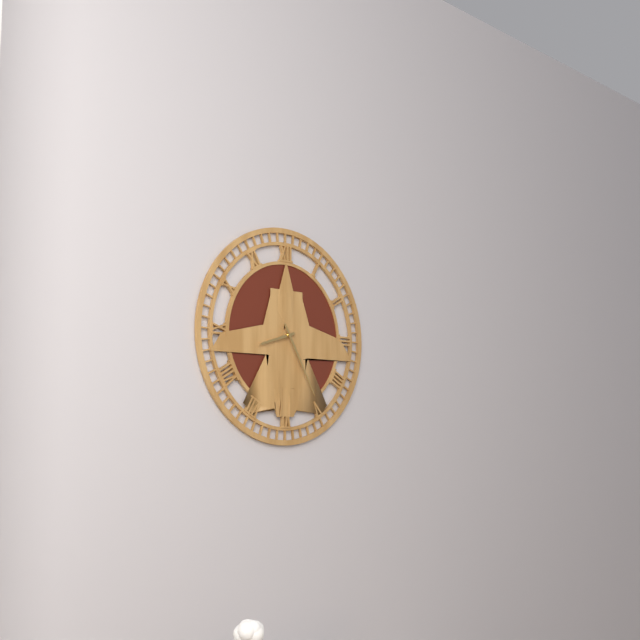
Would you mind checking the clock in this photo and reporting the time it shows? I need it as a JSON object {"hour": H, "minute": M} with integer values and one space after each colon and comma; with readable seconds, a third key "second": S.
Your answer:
{"hour": 8, "minute": 25}
